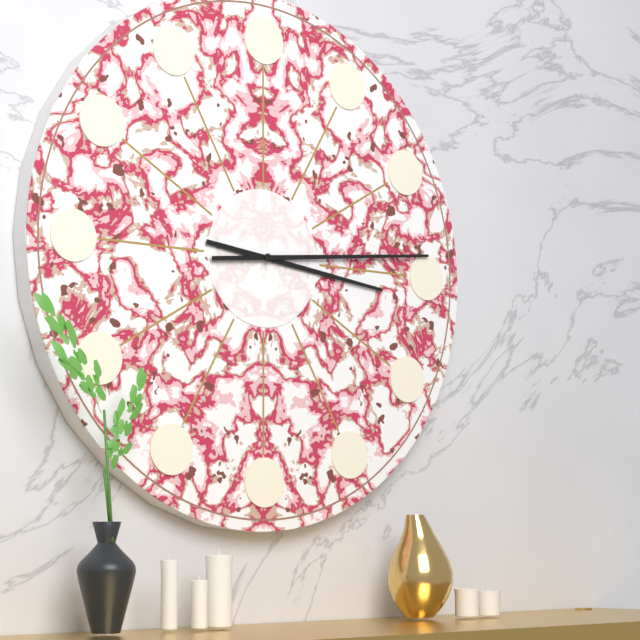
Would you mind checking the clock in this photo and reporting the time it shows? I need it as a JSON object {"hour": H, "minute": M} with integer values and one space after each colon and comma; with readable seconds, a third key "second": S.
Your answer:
{"hour": 3, "minute": 14}
